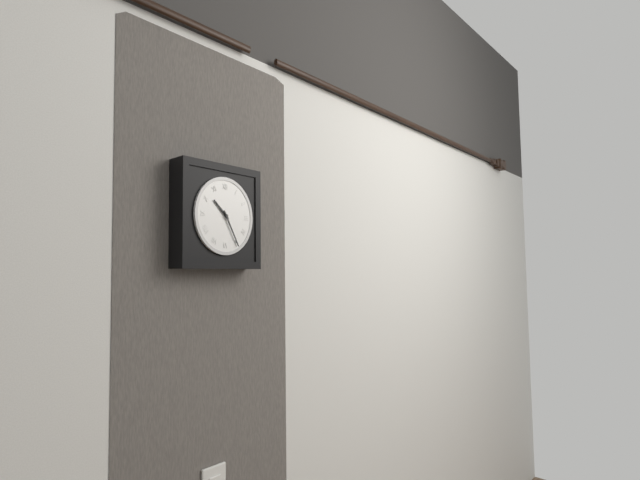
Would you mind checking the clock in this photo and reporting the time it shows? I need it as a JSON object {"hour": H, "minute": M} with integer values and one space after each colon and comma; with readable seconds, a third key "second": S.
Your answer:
{"hour": 10, "minute": 25}
